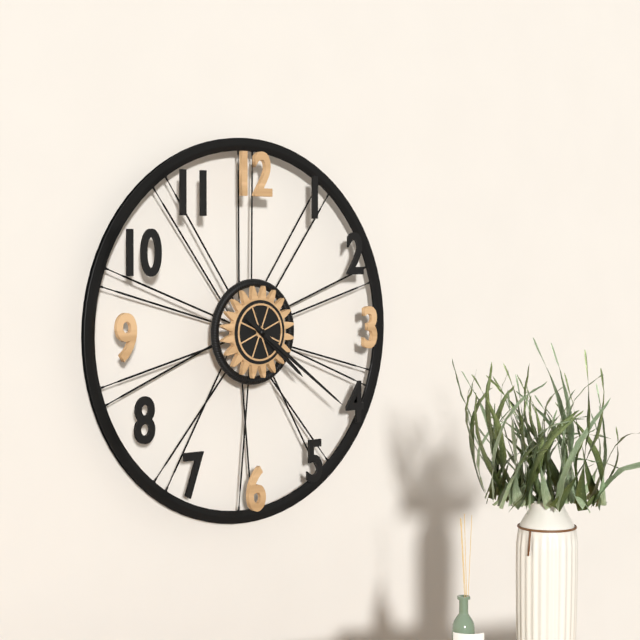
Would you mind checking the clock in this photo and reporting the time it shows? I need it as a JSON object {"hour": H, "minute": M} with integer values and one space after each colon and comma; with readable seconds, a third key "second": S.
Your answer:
{"hour": 4, "minute": 21}
